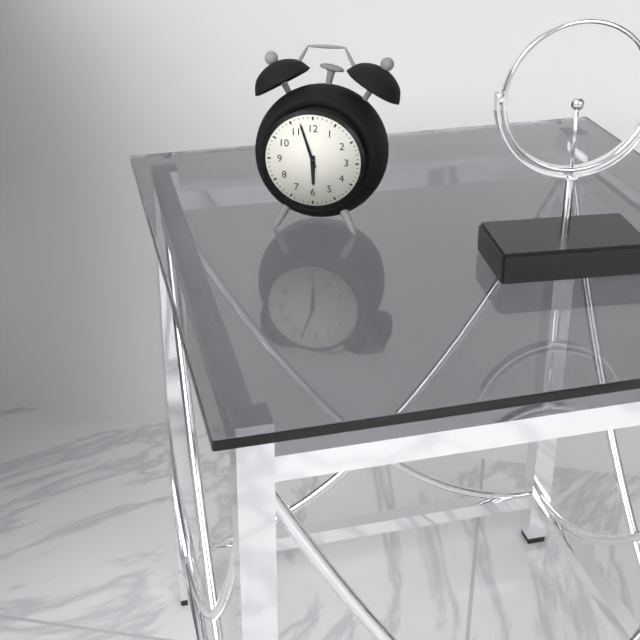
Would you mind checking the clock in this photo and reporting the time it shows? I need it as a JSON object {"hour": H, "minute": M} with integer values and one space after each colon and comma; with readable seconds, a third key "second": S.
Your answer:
{"hour": 5, "minute": 57}
